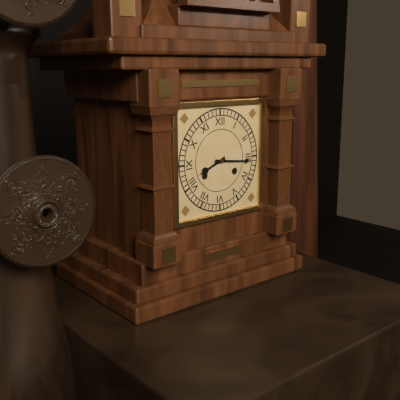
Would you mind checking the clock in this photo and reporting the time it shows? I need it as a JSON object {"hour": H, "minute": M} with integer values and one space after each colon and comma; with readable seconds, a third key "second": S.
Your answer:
{"hour": 8, "minute": 16}
